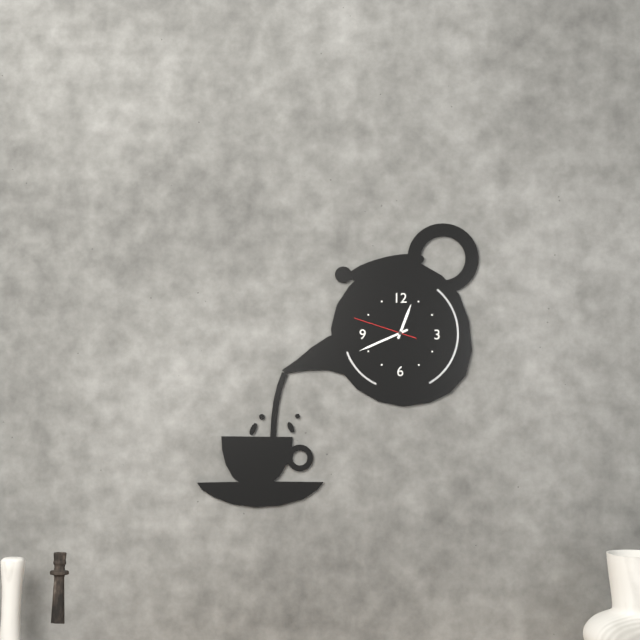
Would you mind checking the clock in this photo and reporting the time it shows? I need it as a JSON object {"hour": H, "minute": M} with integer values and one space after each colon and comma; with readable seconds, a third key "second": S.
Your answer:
{"hour": 12, "minute": 41, "second": 48}
